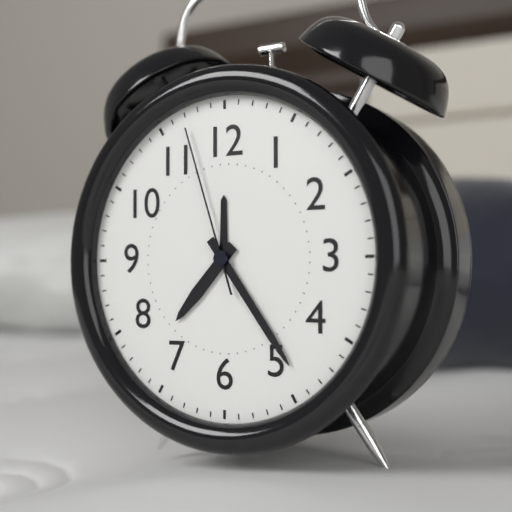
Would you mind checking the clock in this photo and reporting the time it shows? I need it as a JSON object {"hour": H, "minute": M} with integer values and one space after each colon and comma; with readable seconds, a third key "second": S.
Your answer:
{"hour": 7, "minute": 24, "second": 57}
